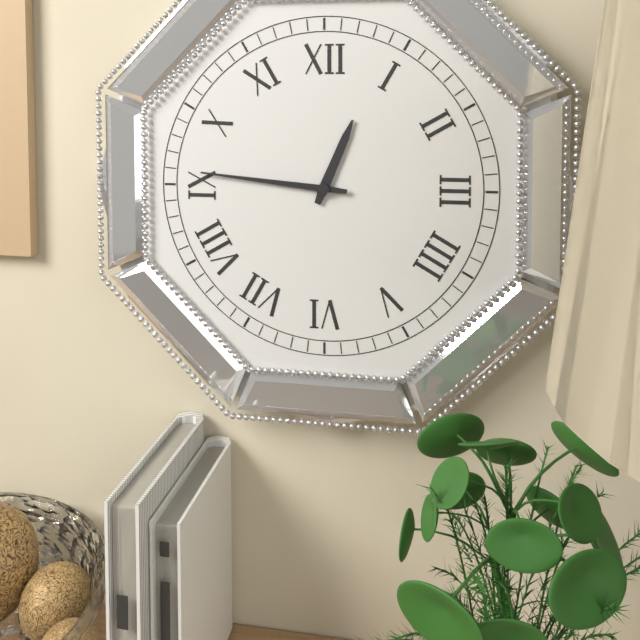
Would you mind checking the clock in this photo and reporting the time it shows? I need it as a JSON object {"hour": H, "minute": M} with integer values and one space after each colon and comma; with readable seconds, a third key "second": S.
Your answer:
{"hour": 12, "minute": 46}
